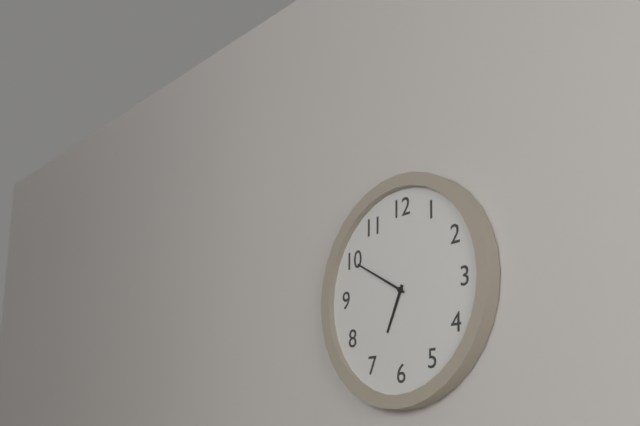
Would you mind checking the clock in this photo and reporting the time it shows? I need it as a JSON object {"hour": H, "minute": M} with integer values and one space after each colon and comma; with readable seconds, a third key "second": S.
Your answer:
{"hour": 6, "minute": 50}
